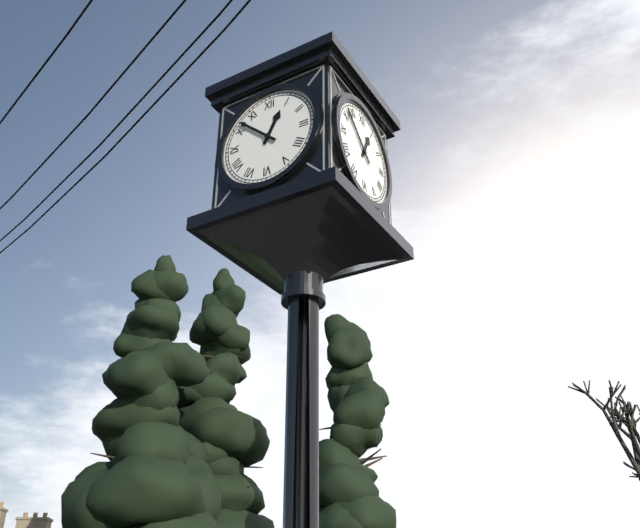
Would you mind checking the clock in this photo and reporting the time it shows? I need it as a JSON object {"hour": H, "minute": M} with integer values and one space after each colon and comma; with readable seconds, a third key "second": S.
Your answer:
{"hour": 12, "minute": 52}
